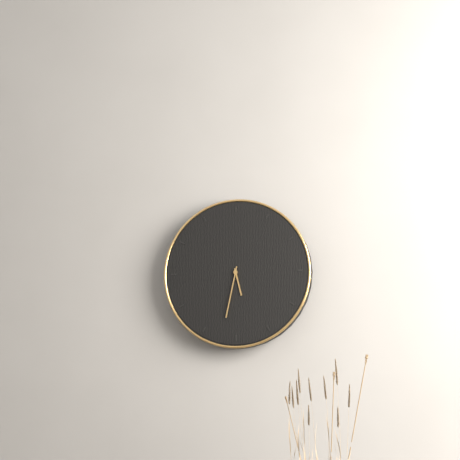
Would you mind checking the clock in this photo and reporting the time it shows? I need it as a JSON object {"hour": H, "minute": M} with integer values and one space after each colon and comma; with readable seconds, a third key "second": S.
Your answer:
{"hour": 5, "minute": 32}
